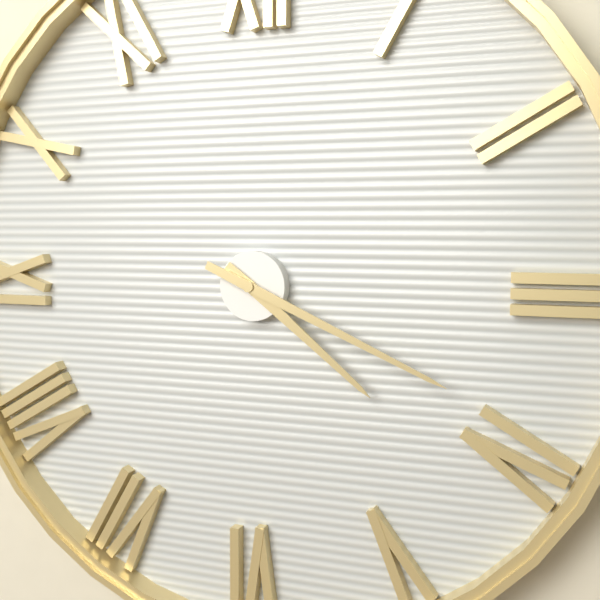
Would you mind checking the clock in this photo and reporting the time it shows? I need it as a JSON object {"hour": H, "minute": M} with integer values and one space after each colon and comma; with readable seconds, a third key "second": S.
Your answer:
{"hour": 4, "minute": 19}
